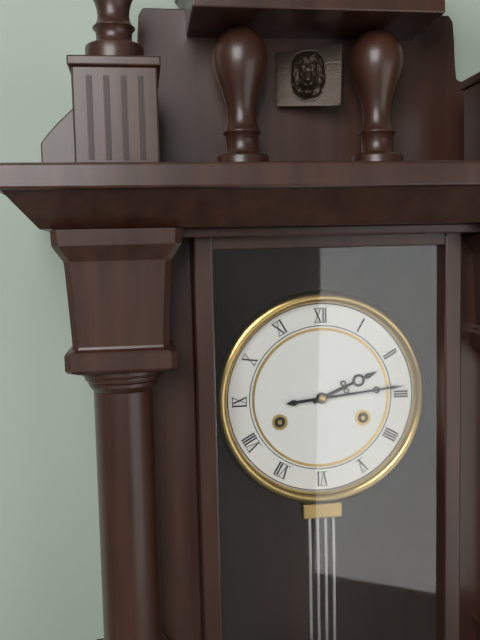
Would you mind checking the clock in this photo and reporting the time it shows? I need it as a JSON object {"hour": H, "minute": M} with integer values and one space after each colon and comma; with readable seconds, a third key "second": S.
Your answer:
{"hour": 2, "minute": 14}
